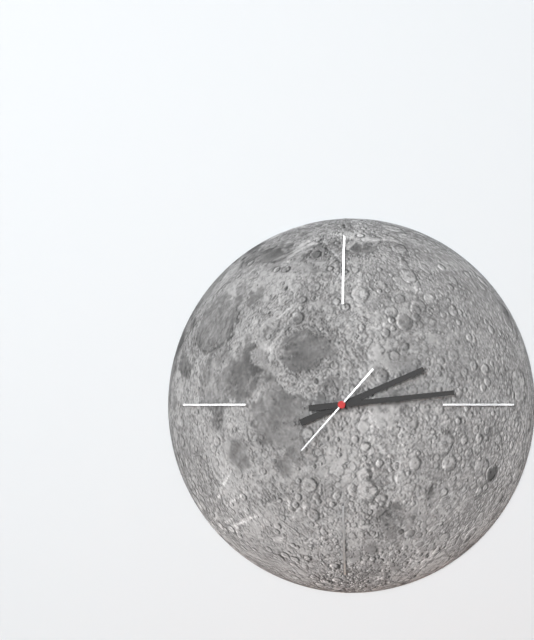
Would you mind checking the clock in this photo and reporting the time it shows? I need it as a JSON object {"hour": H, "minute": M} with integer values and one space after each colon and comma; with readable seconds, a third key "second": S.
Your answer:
{"hour": 2, "minute": 14, "second": 37}
